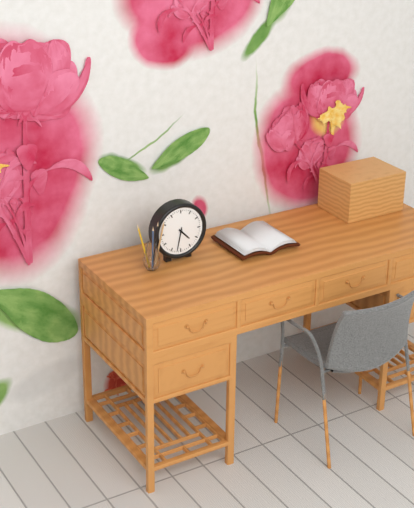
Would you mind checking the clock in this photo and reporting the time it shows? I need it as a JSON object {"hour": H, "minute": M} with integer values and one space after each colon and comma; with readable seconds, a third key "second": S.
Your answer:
{"hour": 4, "minute": 32}
